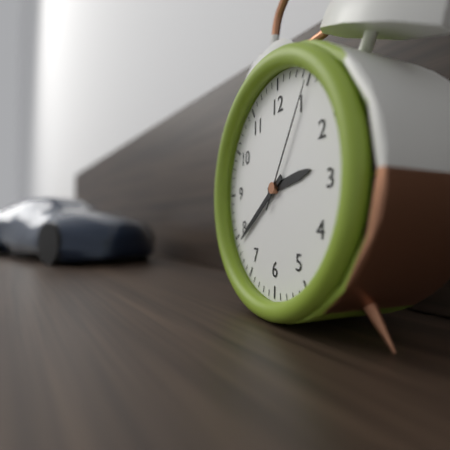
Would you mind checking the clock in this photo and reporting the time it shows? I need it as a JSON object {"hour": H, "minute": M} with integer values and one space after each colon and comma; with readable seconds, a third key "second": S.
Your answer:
{"hour": 2, "minute": 39, "second": 5}
